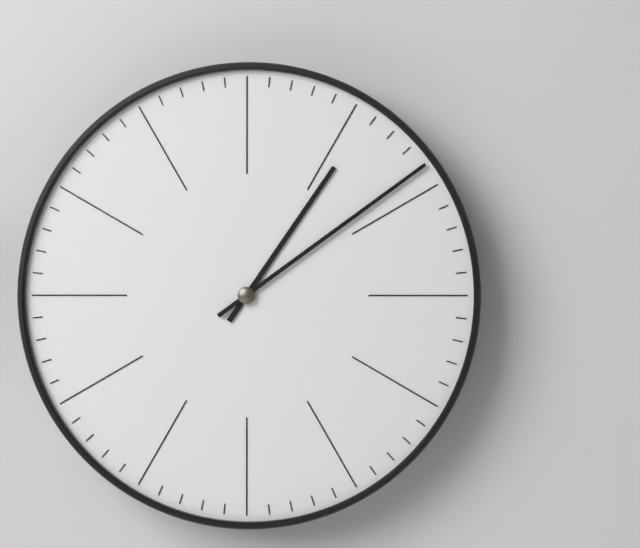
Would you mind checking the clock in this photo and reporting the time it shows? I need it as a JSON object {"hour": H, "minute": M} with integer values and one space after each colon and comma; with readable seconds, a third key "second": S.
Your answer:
{"hour": 1, "minute": 9}
